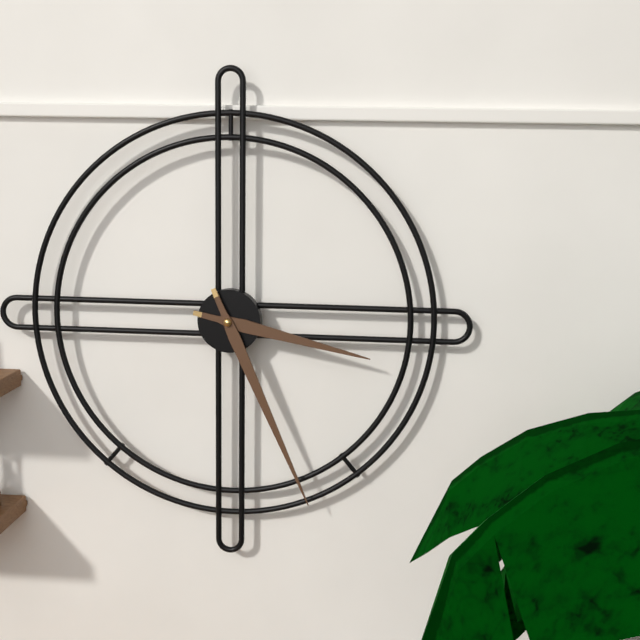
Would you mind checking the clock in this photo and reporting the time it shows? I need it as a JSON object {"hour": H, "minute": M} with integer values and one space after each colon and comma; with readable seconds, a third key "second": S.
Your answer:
{"hour": 3, "minute": 26}
